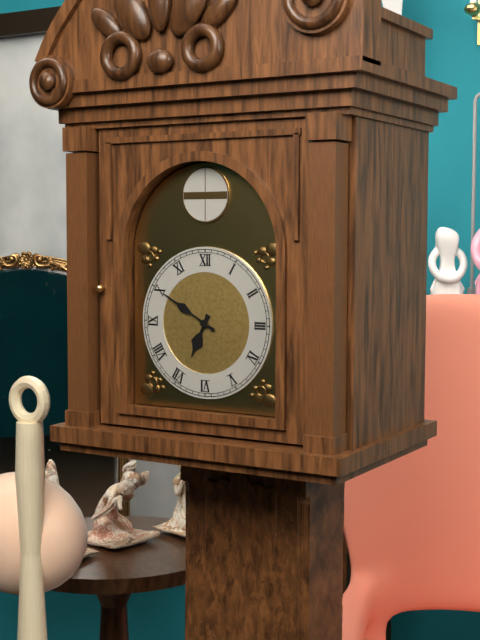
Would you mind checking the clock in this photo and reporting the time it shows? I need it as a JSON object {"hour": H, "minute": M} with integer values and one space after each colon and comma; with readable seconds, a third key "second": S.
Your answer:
{"hour": 6, "minute": 50}
